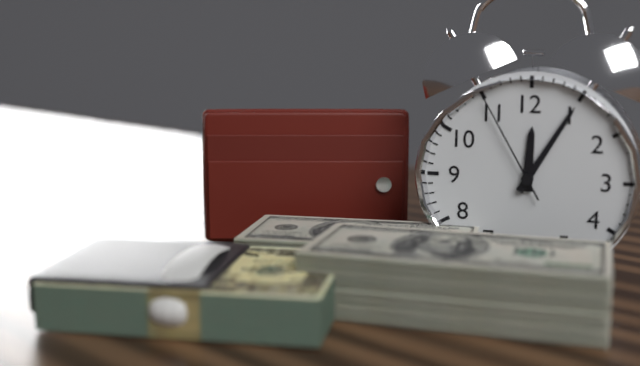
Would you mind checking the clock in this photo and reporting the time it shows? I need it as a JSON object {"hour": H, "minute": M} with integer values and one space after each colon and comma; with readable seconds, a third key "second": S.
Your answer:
{"hour": 12, "minute": 5, "second": 55}
